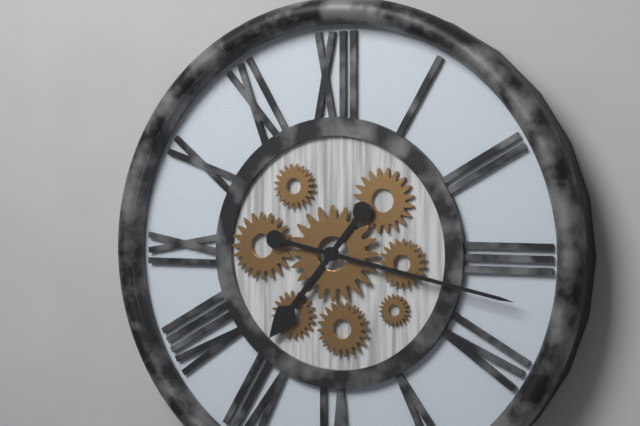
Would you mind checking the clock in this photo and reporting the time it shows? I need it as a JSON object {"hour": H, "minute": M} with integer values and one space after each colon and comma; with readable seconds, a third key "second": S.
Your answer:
{"hour": 7, "minute": 17}
